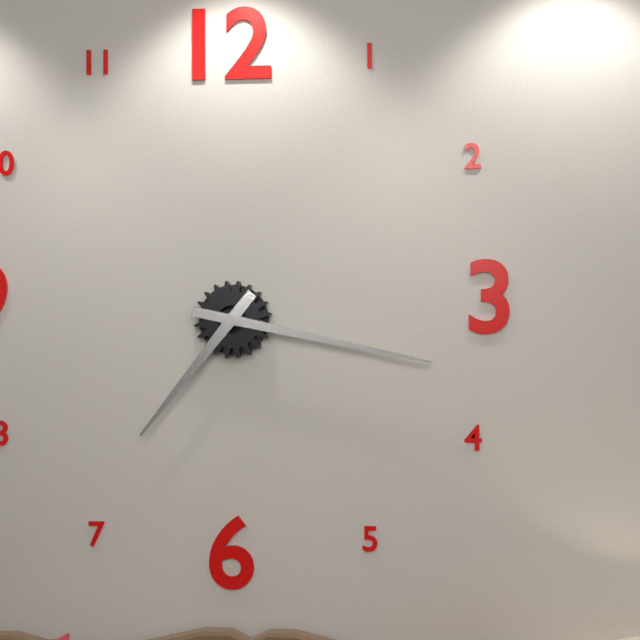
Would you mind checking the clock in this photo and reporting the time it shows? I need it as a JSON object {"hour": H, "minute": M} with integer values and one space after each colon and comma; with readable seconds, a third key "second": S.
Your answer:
{"hour": 7, "minute": 17}
